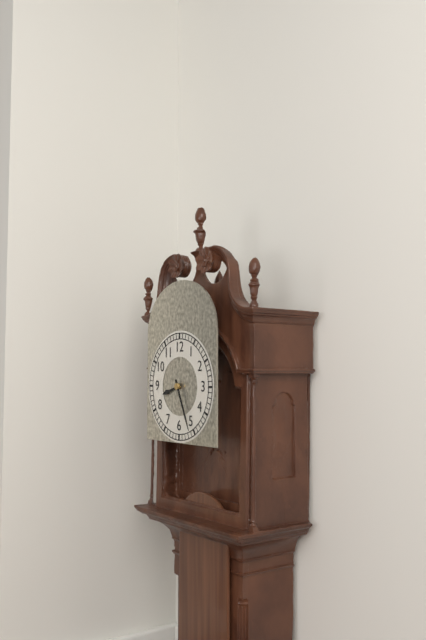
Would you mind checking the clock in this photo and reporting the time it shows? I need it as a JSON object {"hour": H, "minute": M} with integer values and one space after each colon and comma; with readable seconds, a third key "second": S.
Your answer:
{"hour": 8, "minute": 26}
